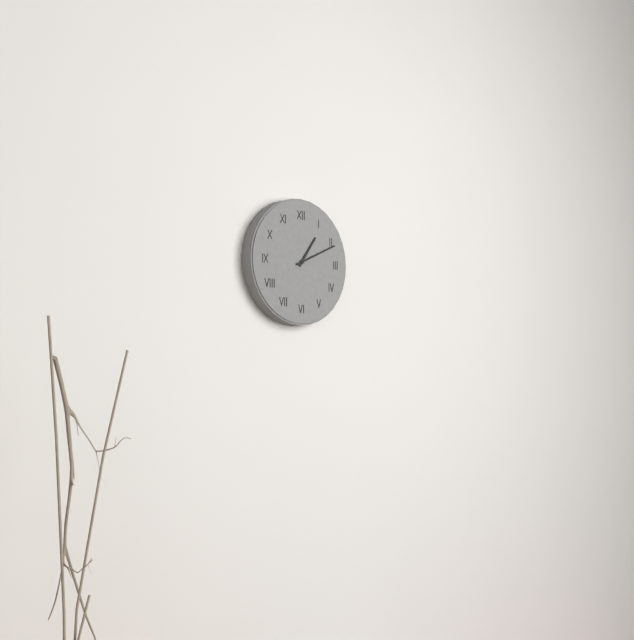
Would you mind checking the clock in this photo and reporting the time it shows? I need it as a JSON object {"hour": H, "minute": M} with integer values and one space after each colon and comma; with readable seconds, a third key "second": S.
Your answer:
{"hour": 1, "minute": 11}
